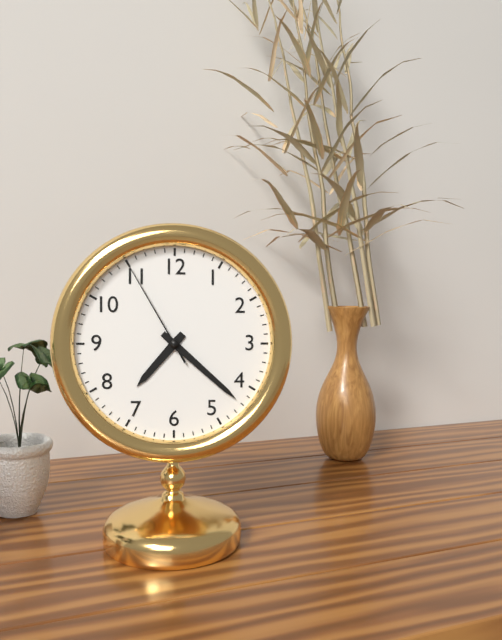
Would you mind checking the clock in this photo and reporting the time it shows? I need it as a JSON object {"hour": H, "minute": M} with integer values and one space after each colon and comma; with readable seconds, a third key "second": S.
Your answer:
{"hour": 7, "minute": 22, "second": 55}
